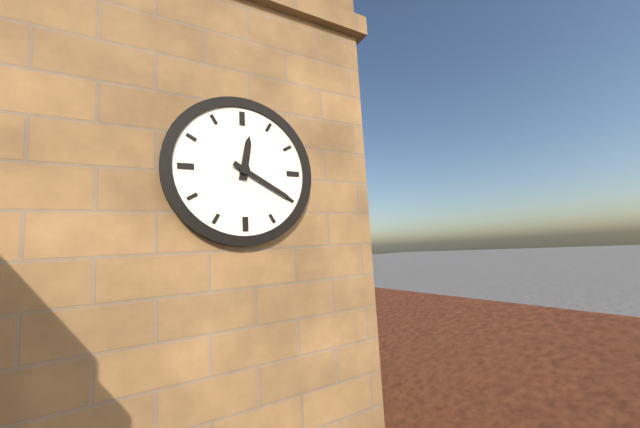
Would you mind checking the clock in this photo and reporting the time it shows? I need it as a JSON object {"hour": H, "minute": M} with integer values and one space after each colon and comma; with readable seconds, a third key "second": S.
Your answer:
{"hour": 12, "minute": 20}
